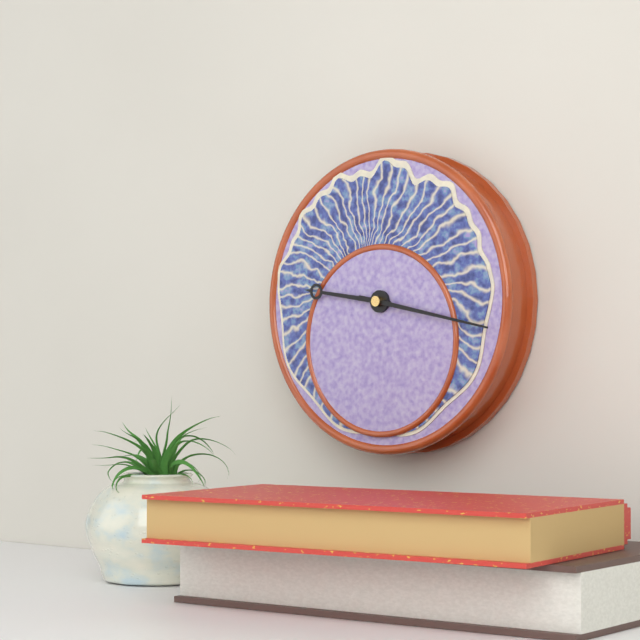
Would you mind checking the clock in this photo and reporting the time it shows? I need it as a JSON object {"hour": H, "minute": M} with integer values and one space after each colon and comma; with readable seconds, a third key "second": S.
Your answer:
{"hour": 9, "minute": 17}
